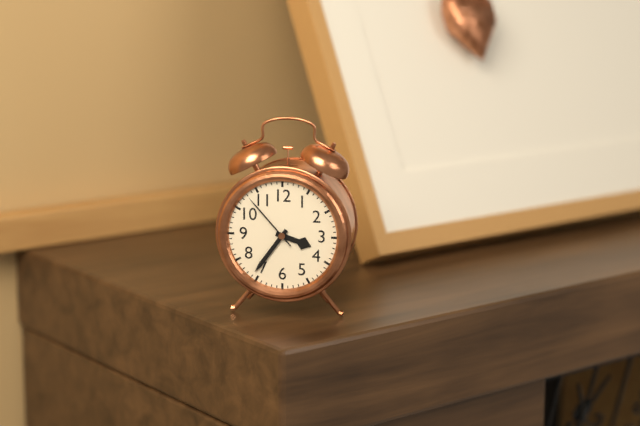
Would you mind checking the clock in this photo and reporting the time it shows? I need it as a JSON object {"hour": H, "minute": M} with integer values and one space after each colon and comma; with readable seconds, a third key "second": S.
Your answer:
{"hour": 3, "minute": 36, "second": 53}
